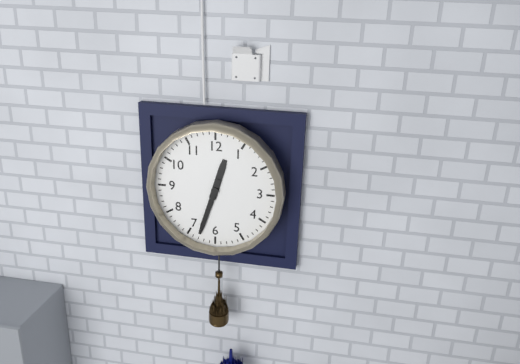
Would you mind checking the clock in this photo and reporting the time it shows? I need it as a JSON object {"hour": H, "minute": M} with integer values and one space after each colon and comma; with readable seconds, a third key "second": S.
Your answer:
{"hour": 12, "minute": 33}
